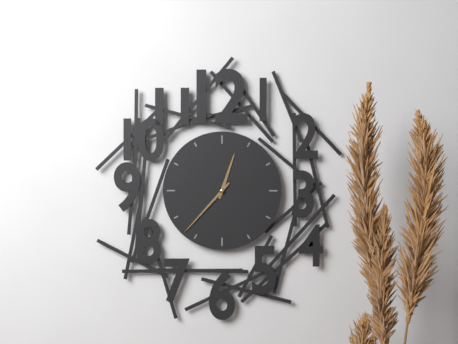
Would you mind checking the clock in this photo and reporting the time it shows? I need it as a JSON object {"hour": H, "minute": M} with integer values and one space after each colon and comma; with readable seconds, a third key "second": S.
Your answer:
{"hour": 12, "minute": 37}
